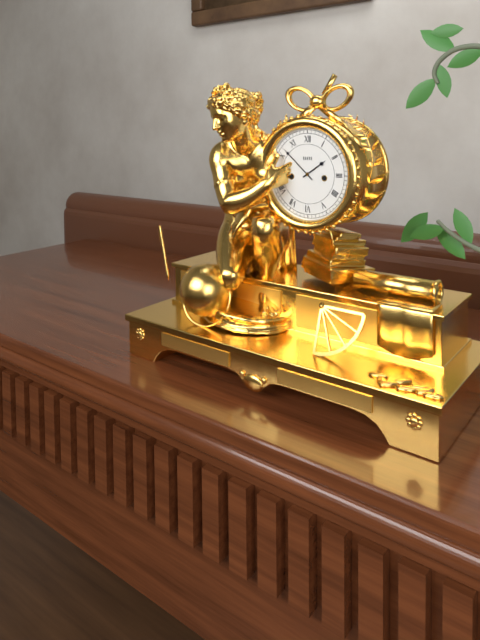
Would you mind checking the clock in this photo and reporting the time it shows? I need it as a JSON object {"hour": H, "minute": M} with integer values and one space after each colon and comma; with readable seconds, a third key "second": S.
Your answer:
{"hour": 1, "minute": 52}
